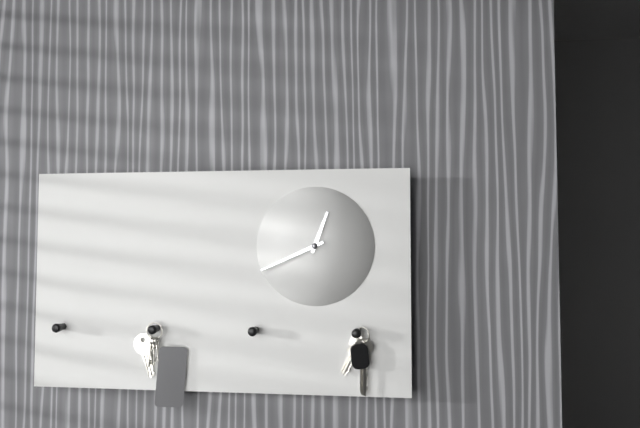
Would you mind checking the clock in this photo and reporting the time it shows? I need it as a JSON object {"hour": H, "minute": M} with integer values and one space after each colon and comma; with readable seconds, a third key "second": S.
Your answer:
{"hour": 12, "minute": 41}
